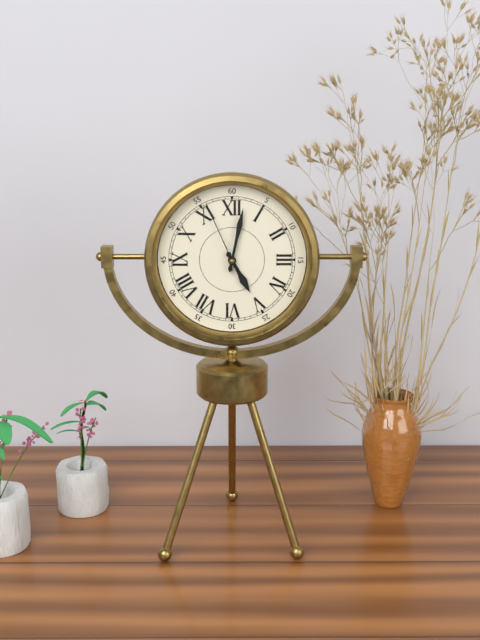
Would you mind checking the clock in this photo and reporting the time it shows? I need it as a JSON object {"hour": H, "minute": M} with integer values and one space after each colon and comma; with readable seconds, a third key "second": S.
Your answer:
{"hour": 5, "minute": 2, "second": 56}
